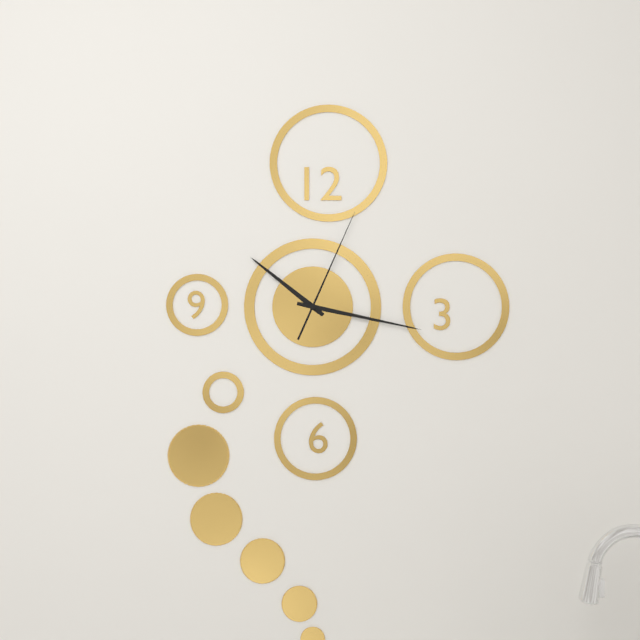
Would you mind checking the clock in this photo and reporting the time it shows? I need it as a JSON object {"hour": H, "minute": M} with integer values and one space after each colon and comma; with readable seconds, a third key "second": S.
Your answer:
{"hour": 10, "minute": 17, "second": 4}
